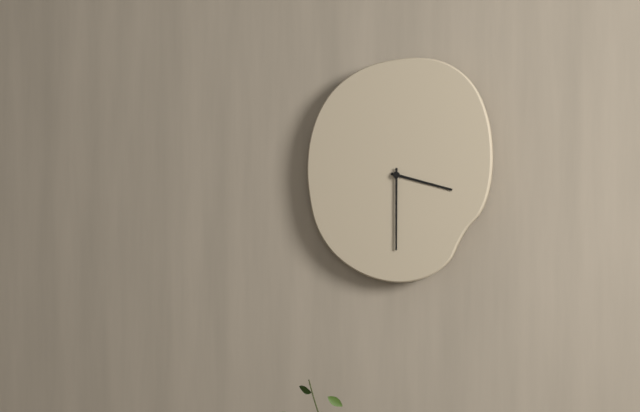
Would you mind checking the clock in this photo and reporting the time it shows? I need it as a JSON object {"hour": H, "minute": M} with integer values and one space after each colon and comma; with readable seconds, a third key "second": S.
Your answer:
{"hour": 3, "minute": 30}
